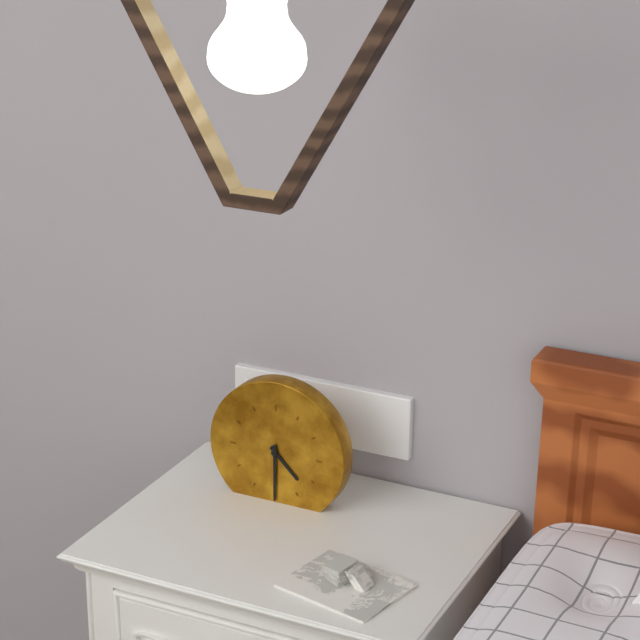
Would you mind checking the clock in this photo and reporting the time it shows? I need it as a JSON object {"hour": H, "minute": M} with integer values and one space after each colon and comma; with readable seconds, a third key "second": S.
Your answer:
{"hour": 4, "minute": 30}
